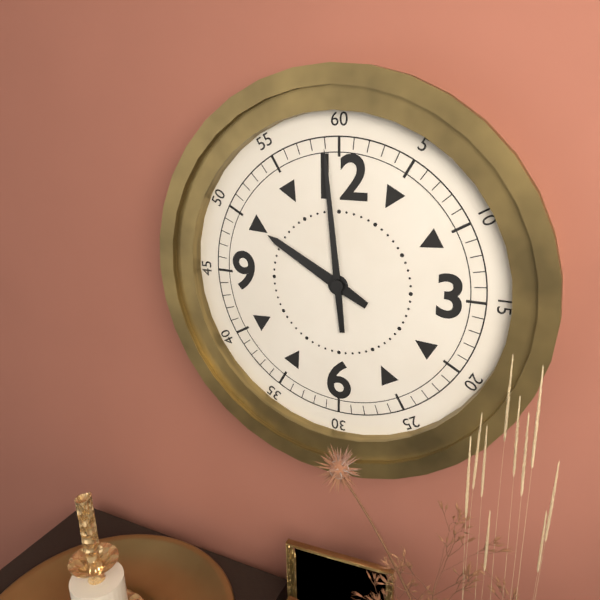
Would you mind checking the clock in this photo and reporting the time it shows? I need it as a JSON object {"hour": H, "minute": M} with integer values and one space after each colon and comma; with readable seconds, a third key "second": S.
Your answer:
{"hour": 9, "minute": 59}
